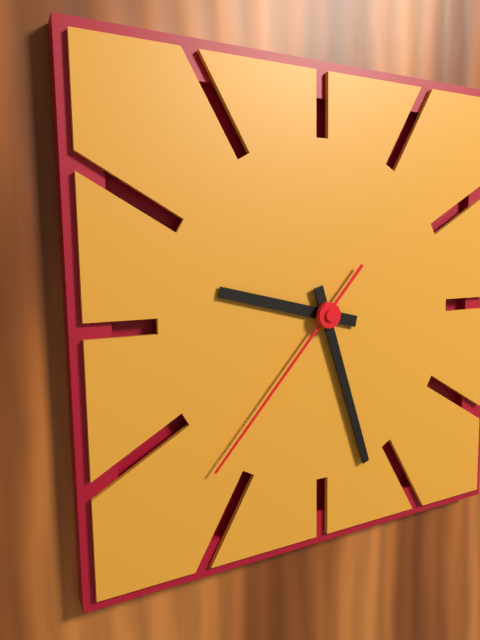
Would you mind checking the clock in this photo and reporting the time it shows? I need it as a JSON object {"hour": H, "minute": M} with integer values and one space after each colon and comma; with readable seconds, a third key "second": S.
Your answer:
{"hour": 9, "minute": 27, "second": 37}
